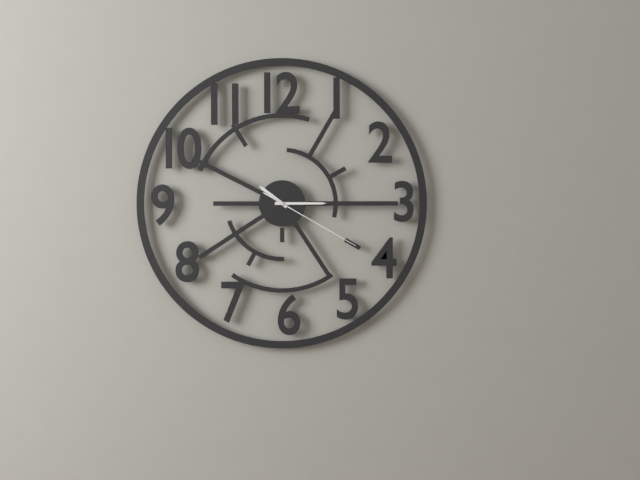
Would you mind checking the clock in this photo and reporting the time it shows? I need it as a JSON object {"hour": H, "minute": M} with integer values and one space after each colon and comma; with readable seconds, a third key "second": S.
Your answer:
{"hour": 10, "minute": 15, "second": 20}
